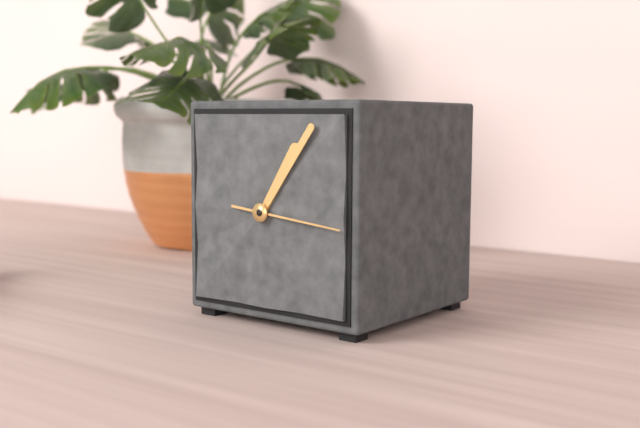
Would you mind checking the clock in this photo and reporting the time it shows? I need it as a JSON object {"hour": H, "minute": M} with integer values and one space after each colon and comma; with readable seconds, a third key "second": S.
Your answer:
{"hour": 1, "minute": 6, "second": 16}
